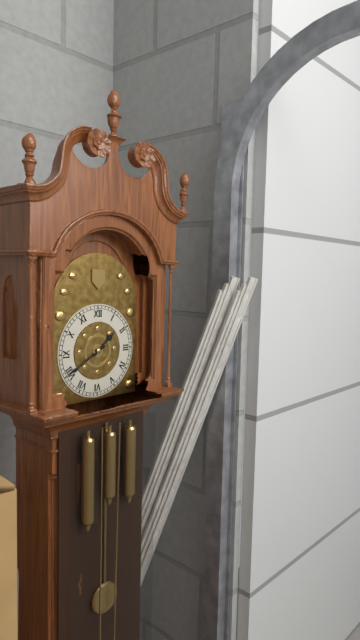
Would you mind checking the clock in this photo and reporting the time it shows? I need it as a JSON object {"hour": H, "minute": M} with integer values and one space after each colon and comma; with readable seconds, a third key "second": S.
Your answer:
{"hour": 1, "minute": 40}
